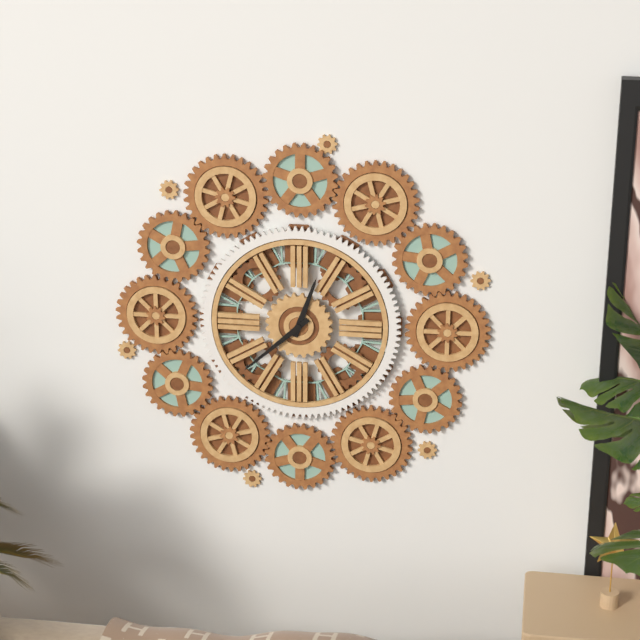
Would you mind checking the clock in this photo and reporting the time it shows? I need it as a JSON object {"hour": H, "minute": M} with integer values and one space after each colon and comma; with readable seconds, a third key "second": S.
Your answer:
{"hour": 12, "minute": 38}
